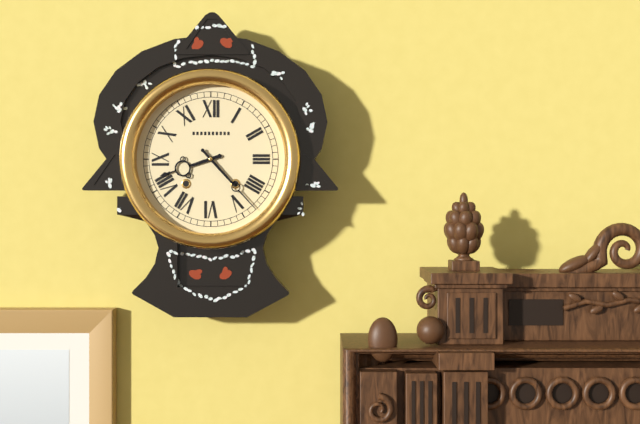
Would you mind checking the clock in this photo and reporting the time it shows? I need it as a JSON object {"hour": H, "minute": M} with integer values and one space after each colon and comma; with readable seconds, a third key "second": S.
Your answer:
{"hour": 8, "minute": 23}
